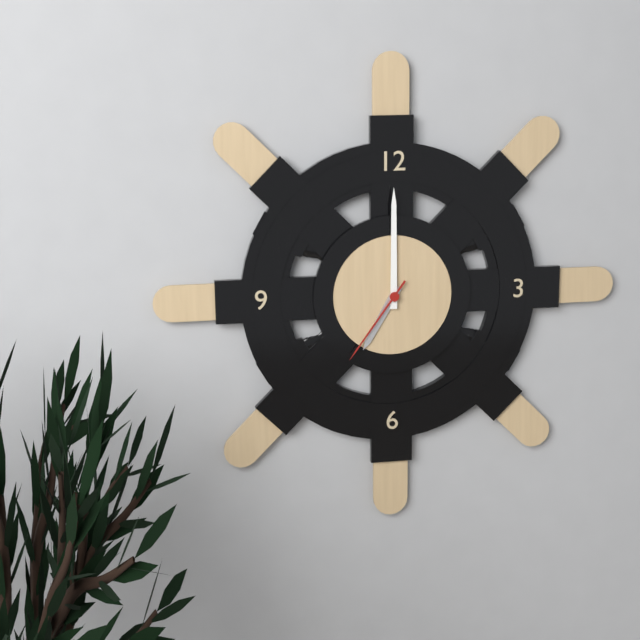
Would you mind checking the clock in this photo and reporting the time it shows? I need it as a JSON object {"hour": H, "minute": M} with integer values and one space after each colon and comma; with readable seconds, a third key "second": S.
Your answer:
{"hour": 7, "minute": 0, "second": 36}
